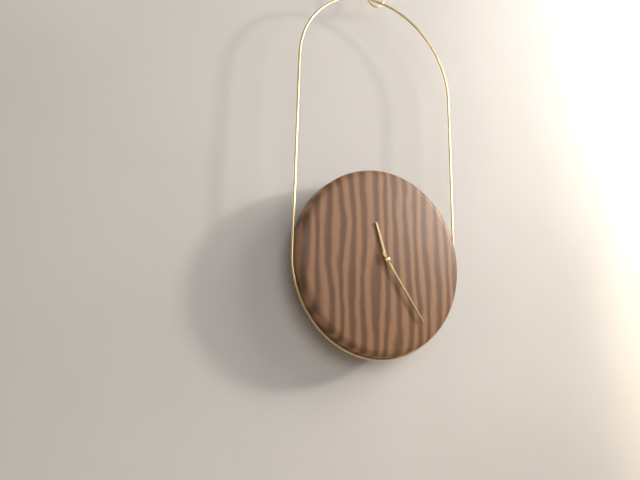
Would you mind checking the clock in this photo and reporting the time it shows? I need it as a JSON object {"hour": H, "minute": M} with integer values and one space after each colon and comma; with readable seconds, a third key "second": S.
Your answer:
{"hour": 11, "minute": 24}
